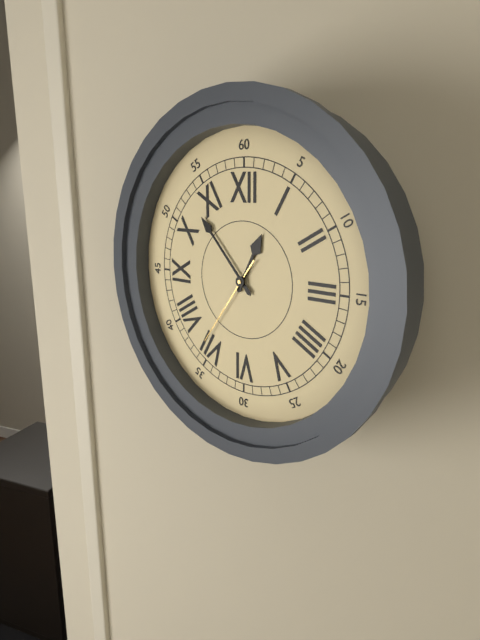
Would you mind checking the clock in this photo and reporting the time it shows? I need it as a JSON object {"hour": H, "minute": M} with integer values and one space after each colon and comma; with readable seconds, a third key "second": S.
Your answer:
{"hour": 12, "minute": 53, "second": 36}
